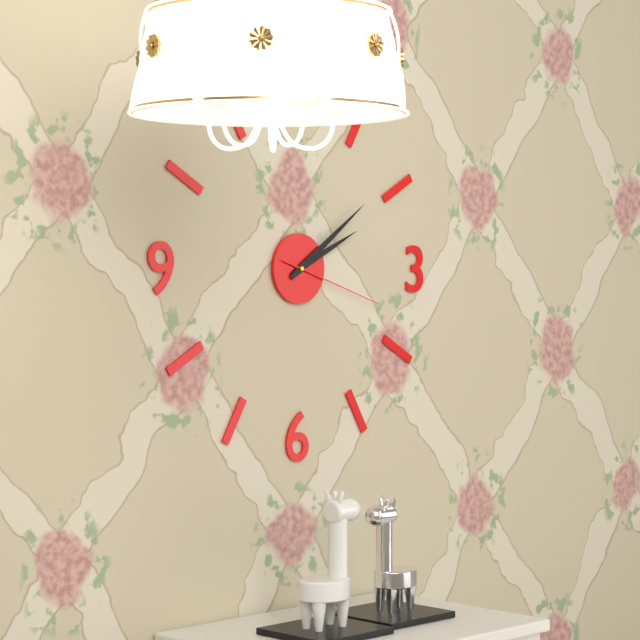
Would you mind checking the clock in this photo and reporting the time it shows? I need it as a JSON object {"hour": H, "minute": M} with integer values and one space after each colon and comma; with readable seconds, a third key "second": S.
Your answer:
{"hour": 2, "minute": 9, "second": 18}
